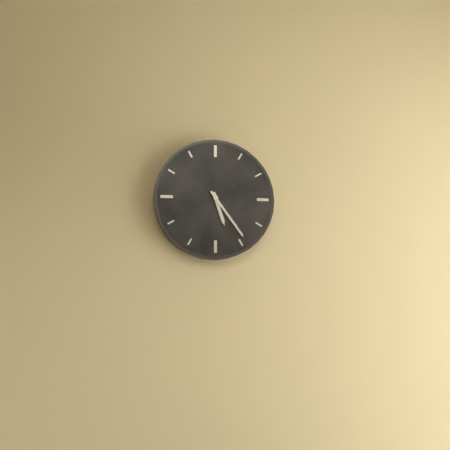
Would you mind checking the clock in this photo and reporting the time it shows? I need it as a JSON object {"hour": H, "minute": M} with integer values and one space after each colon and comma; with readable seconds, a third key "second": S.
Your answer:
{"hour": 5, "minute": 24}
